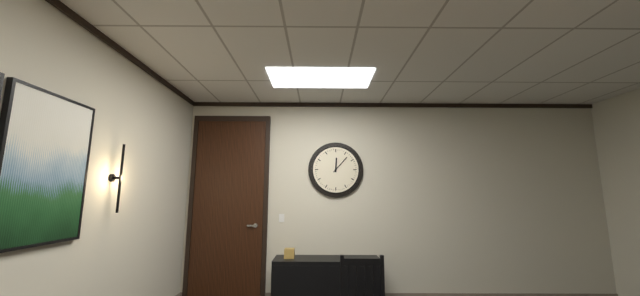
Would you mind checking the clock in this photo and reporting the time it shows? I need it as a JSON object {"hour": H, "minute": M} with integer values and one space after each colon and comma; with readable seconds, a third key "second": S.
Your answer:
{"hour": 12, "minute": 7}
